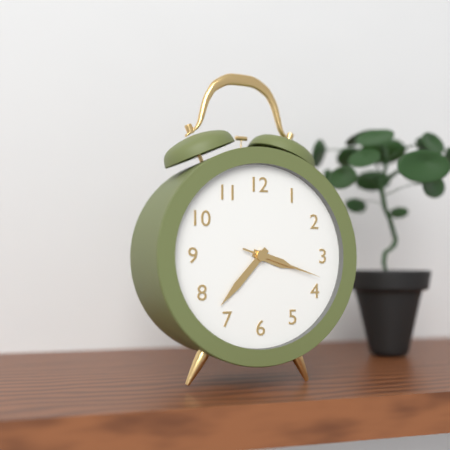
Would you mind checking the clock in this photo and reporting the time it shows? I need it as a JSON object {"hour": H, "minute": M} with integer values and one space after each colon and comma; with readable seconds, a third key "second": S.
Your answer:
{"hour": 3, "minute": 37, "second": 18}
